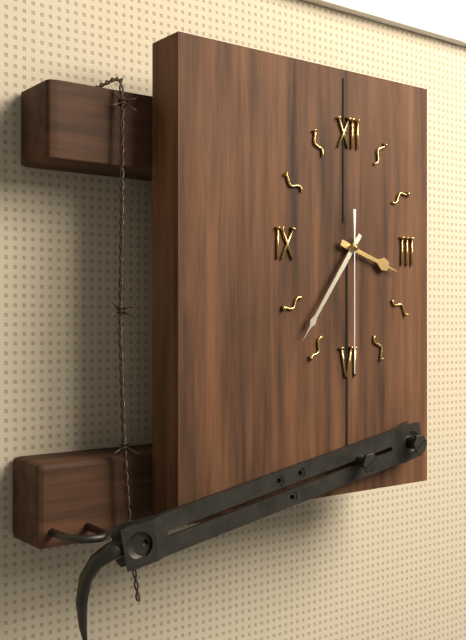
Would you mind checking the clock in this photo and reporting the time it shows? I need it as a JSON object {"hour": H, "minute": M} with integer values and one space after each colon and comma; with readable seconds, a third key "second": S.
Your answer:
{"hour": 3, "minute": 36, "second": 30}
